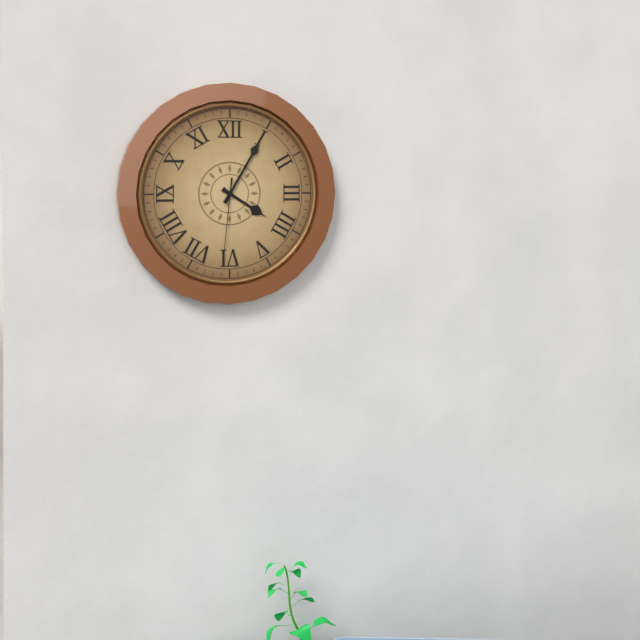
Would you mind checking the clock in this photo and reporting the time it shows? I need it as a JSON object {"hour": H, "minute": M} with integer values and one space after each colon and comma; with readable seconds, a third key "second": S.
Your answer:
{"hour": 4, "minute": 5, "second": 31}
